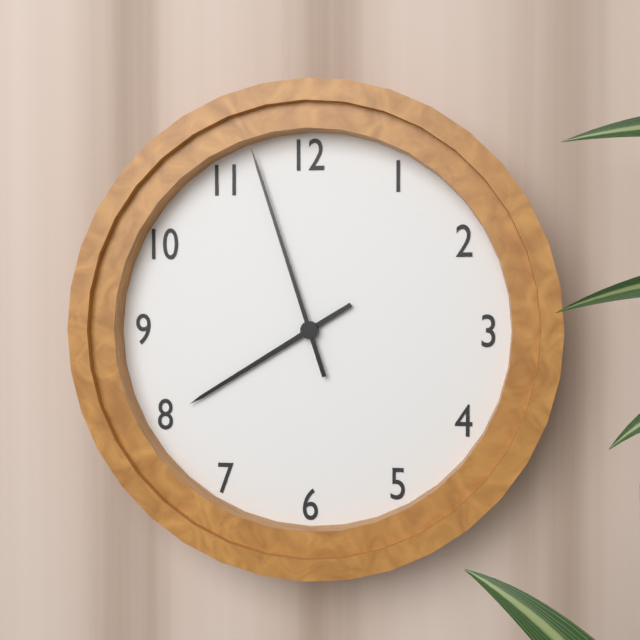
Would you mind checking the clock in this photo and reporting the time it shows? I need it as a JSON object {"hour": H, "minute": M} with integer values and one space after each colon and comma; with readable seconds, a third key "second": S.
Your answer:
{"hour": 7, "minute": 57}
